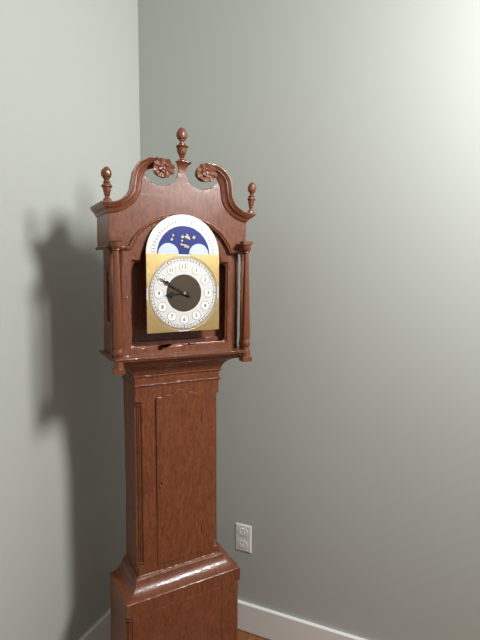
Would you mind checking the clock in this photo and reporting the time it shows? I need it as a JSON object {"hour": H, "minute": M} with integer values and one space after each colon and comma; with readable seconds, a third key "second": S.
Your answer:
{"hour": 8, "minute": 50}
